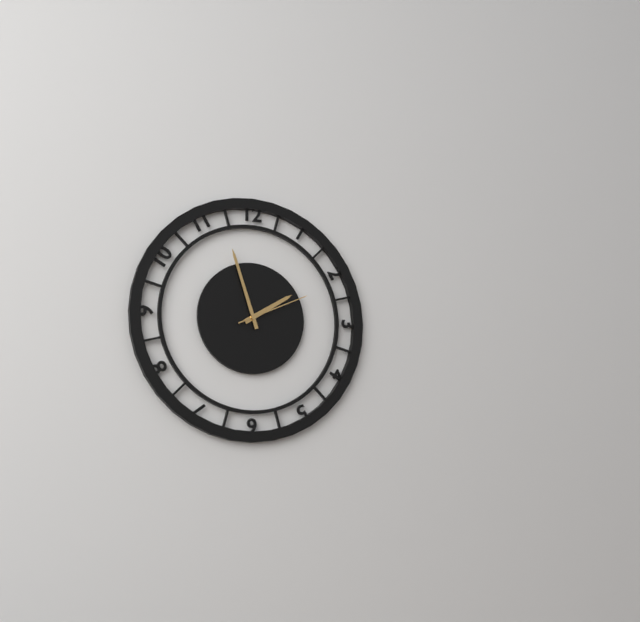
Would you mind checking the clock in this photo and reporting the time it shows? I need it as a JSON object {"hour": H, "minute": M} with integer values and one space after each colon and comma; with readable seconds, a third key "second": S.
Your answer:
{"hour": 1, "minute": 57, "second": 11}
